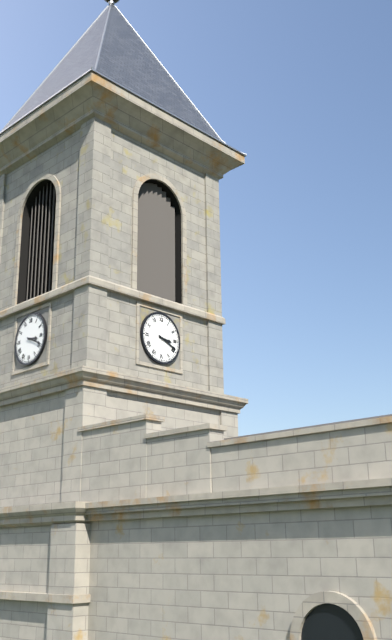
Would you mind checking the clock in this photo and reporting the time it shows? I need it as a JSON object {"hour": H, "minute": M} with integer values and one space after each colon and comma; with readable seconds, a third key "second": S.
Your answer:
{"hour": 3, "minute": 19}
